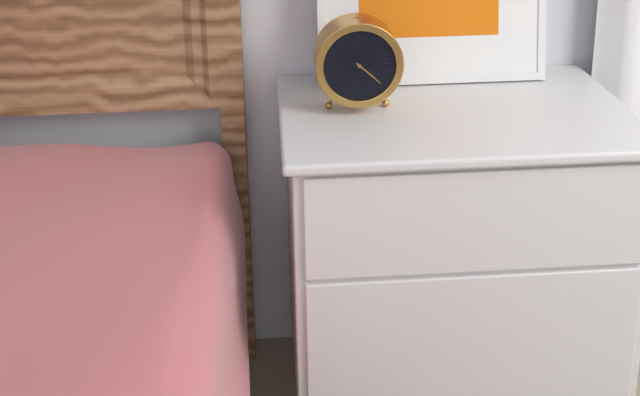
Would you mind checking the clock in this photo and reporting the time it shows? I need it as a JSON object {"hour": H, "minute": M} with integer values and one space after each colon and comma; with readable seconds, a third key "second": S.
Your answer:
{"hour": 4, "minute": 22}
